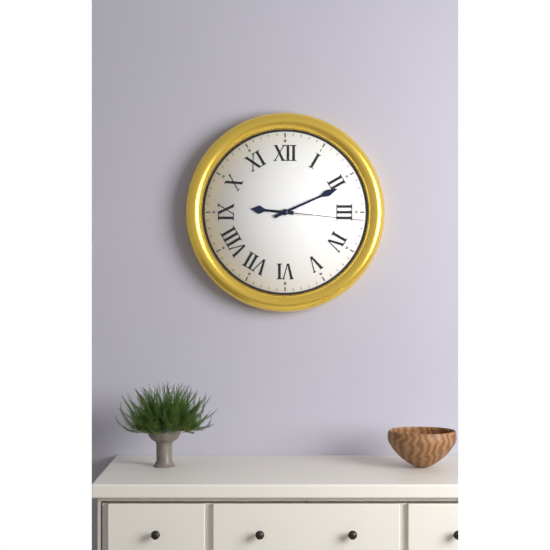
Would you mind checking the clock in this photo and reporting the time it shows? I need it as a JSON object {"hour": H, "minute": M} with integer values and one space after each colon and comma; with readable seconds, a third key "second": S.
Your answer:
{"hour": 9, "minute": 11, "second": 16}
